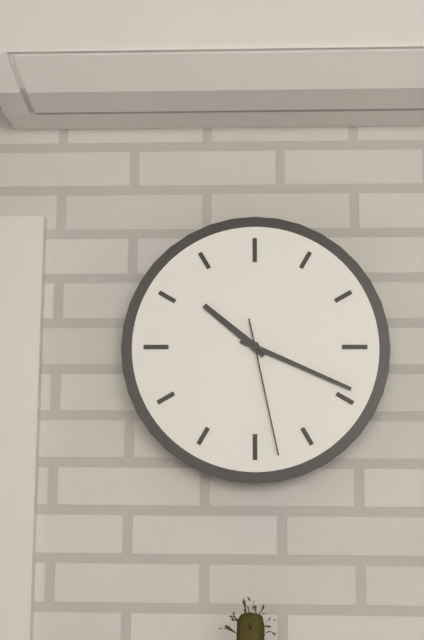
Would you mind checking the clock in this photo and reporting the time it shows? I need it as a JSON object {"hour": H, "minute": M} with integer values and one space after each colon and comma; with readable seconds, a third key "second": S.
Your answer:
{"hour": 10, "minute": 19, "second": 28}
